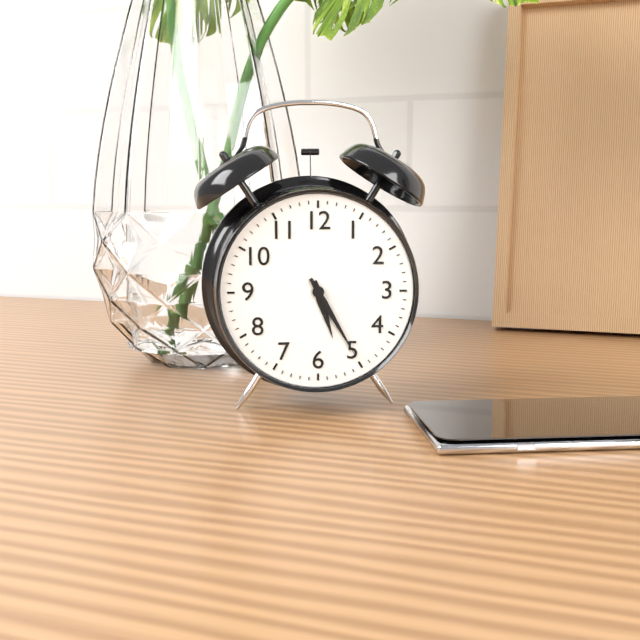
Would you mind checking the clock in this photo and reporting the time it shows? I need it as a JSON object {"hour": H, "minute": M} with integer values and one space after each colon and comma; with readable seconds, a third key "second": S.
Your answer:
{"hour": 5, "minute": 25}
